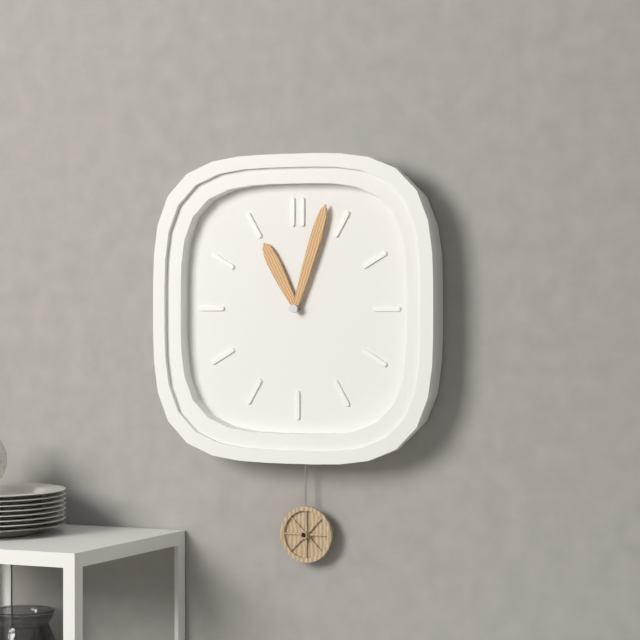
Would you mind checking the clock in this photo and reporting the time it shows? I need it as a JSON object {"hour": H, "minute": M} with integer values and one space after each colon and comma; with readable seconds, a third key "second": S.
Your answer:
{"hour": 11, "minute": 3}
